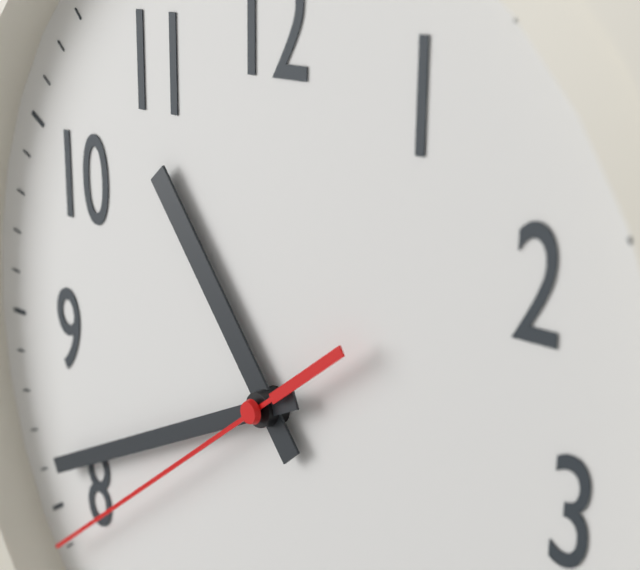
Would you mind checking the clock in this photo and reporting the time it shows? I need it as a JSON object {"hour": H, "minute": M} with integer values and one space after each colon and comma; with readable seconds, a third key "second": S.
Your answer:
{"hour": 10, "minute": 41, "second": 39}
